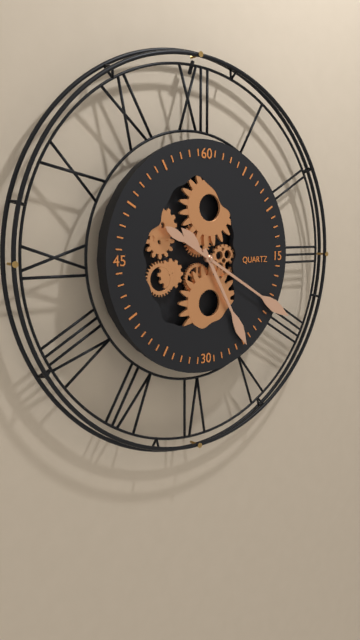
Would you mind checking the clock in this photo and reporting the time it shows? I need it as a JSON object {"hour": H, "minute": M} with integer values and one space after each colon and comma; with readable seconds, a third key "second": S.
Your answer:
{"hour": 10, "minute": 25, "second": 20}
